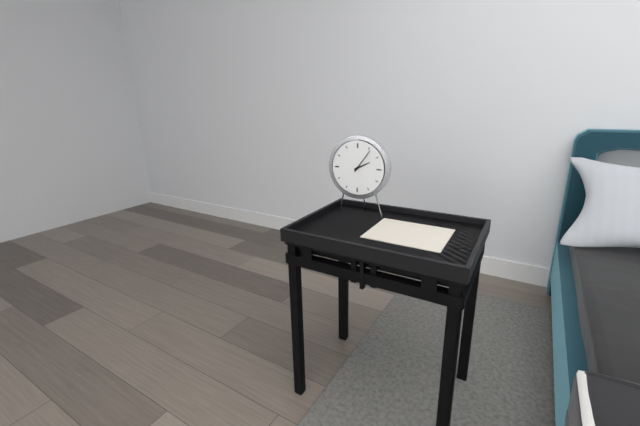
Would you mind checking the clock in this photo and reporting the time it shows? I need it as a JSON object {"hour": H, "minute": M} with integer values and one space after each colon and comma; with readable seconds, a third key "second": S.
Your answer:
{"hour": 2, "minute": 6}
